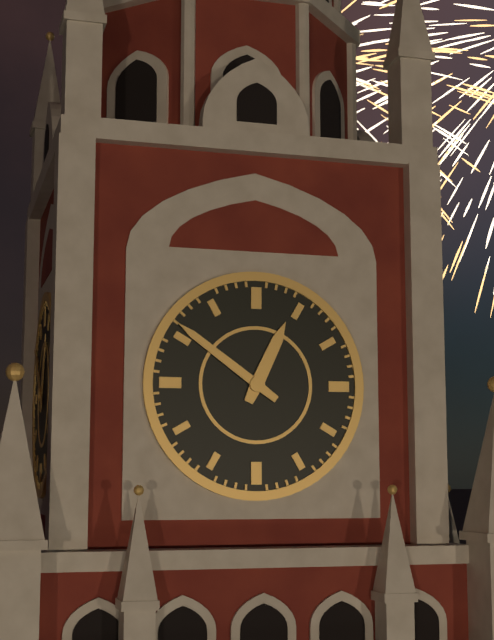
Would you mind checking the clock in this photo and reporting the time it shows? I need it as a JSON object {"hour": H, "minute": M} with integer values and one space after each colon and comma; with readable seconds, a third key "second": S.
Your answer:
{"hour": 12, "minute": 51}
